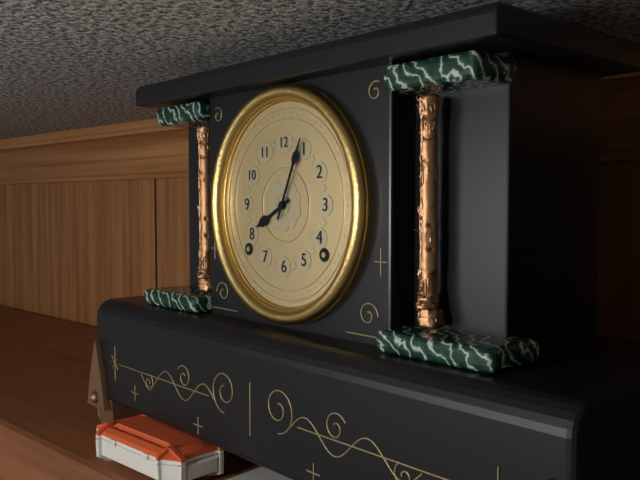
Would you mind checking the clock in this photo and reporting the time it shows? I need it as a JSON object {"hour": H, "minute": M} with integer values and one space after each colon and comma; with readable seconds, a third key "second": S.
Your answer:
{"hour": 8, "minute": 4}
